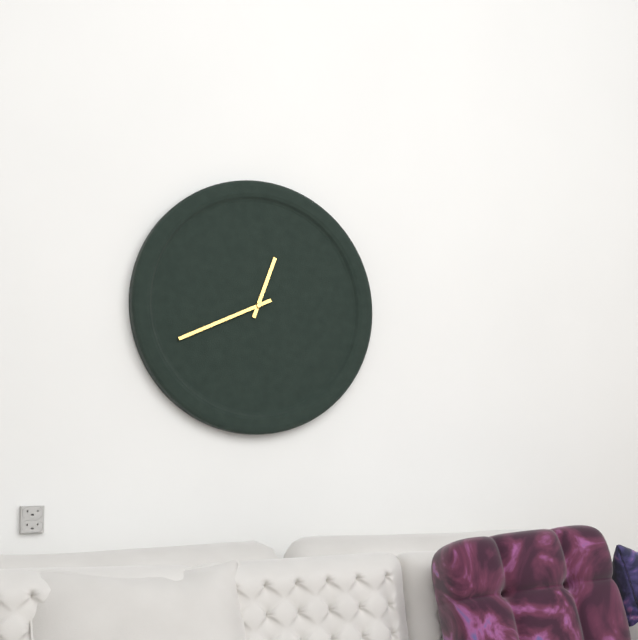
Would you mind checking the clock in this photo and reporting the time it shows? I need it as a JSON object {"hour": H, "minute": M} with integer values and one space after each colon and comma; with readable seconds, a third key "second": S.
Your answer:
{"hour": 12, "minute": 41}
